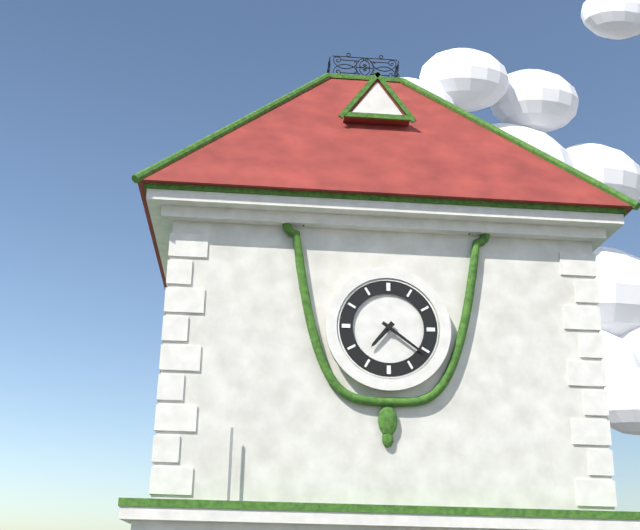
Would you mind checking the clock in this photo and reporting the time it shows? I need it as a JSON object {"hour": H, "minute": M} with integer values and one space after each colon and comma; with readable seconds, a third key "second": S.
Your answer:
{"hour": 7, "minute": 21}
